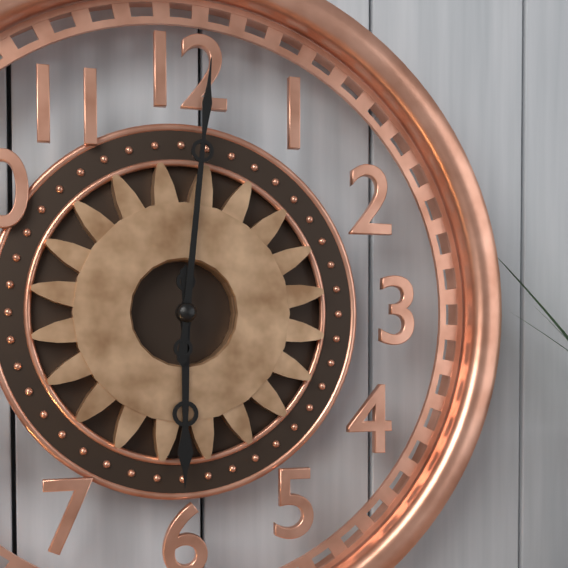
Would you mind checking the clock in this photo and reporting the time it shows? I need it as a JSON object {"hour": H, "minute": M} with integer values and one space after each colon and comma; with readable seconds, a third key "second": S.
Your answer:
{"hour": 6, "minute": 1}
